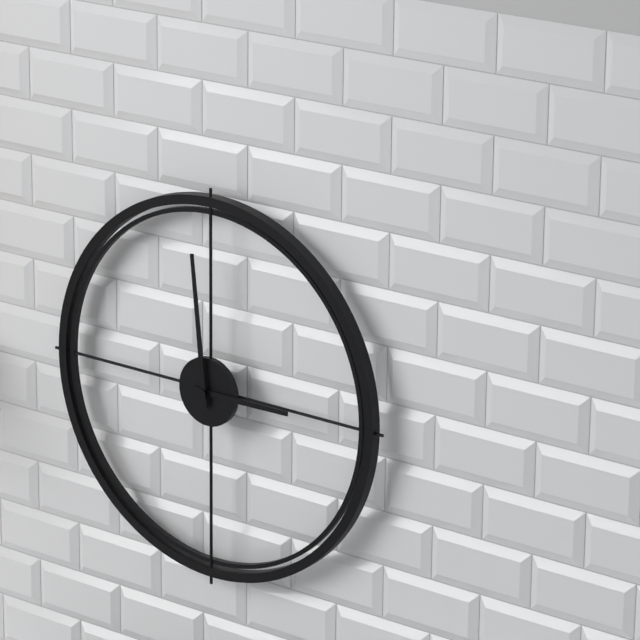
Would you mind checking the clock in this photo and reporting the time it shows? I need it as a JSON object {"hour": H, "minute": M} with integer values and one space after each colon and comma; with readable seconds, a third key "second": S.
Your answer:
{"hour": 2, "minute": 59}
